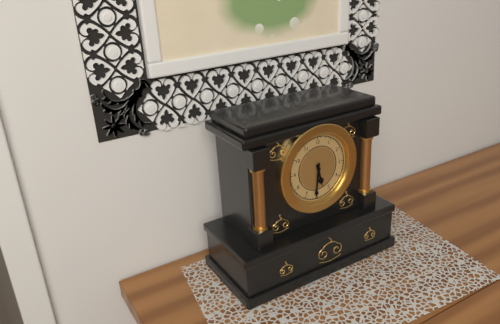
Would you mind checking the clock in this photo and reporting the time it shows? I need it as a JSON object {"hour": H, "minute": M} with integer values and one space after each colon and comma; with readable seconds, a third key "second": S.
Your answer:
{"hour": 5, "minute": 31}
